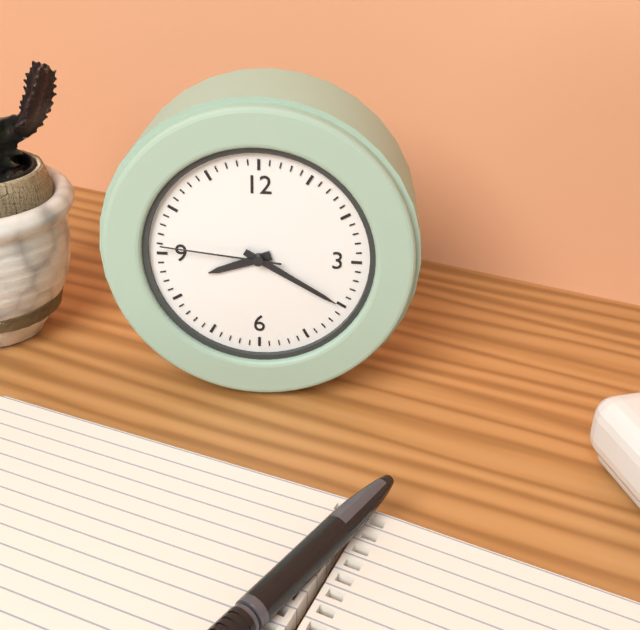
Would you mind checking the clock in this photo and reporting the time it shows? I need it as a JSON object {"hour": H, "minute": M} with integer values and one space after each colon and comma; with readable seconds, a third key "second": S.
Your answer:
{"hour": 8, "minute": 20, "second": 46}
